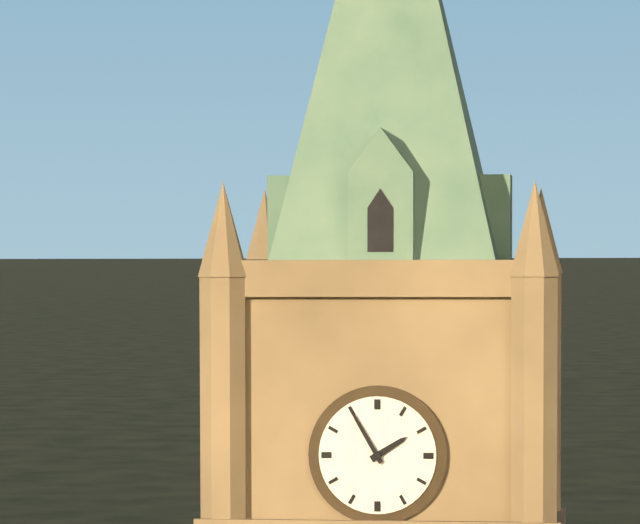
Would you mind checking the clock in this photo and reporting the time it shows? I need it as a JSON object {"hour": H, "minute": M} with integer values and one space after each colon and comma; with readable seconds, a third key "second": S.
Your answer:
{"hour": 1, "minute": 55}
